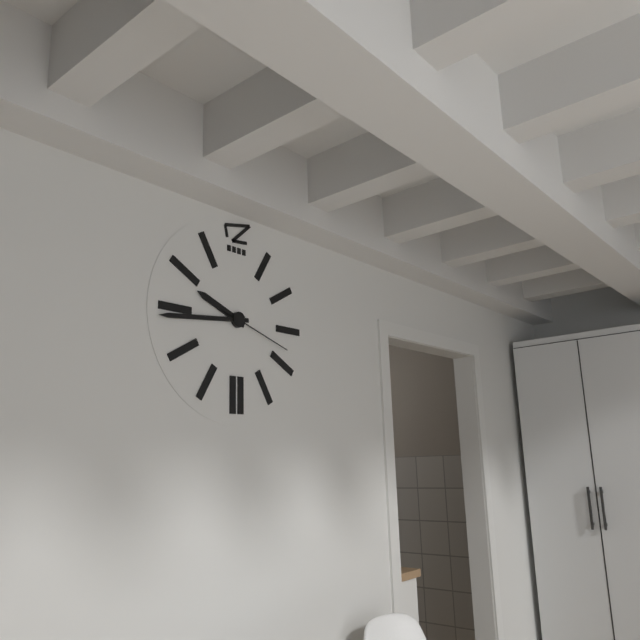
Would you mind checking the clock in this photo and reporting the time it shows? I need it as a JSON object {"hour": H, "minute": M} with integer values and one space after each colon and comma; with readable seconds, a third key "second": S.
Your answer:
{"hour": 9, "minute": 44, "second": 18}
